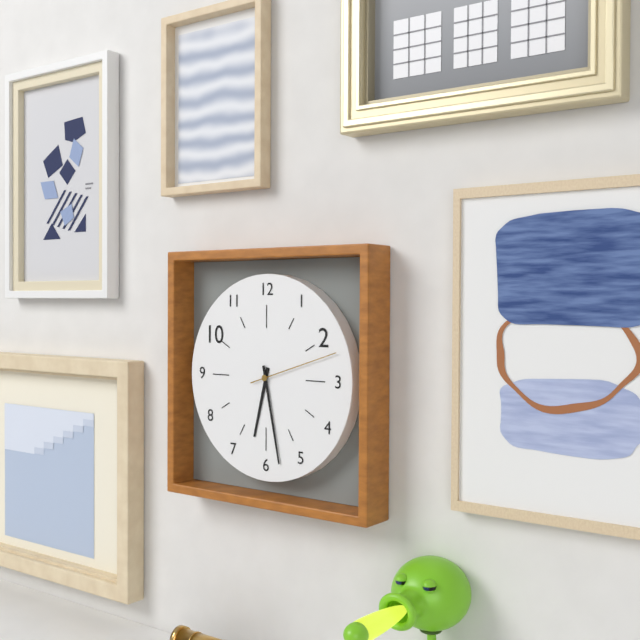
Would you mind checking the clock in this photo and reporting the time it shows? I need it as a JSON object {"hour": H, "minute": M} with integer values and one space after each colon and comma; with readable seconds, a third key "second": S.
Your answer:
{"hour": 6, "minute": 28, "second": 12}
